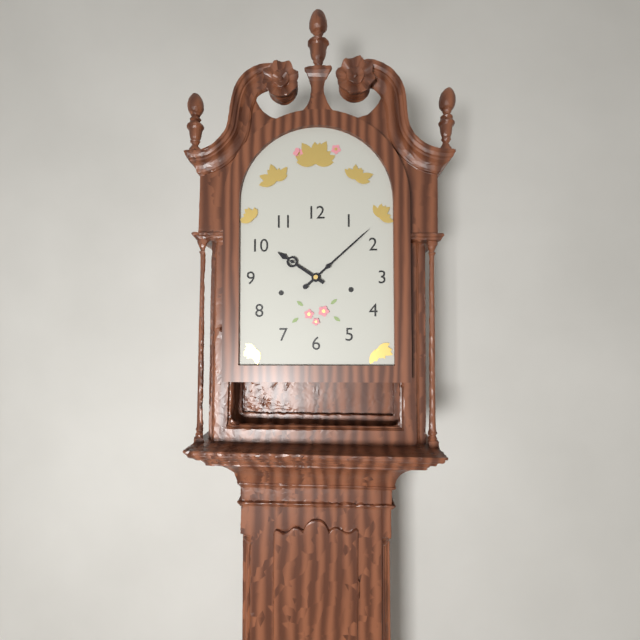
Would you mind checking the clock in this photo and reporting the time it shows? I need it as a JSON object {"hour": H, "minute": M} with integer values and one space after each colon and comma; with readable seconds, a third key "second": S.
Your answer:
{"hour": 10, "minute": 8}
